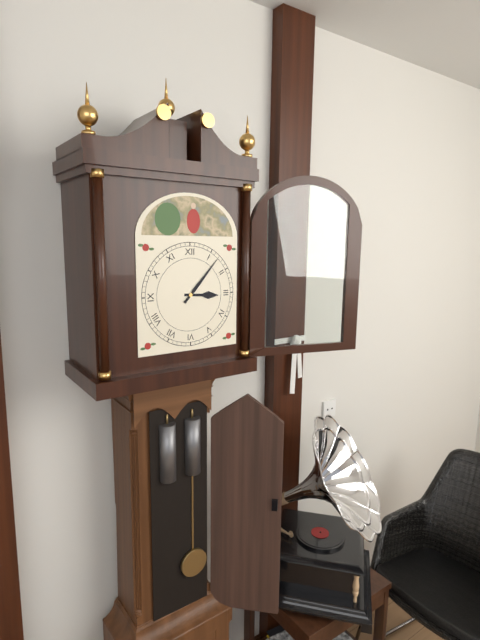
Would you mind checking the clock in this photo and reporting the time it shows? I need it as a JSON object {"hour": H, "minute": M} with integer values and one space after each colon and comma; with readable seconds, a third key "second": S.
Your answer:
{"hour": 3, "minute": 7}
